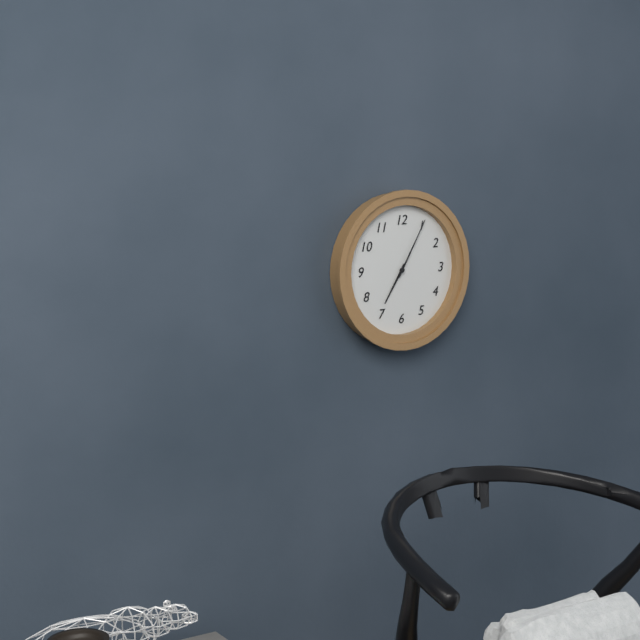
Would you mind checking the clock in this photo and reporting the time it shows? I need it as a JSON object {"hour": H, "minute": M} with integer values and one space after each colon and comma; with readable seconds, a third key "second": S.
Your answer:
{"hour": 7, "minute": 5}
